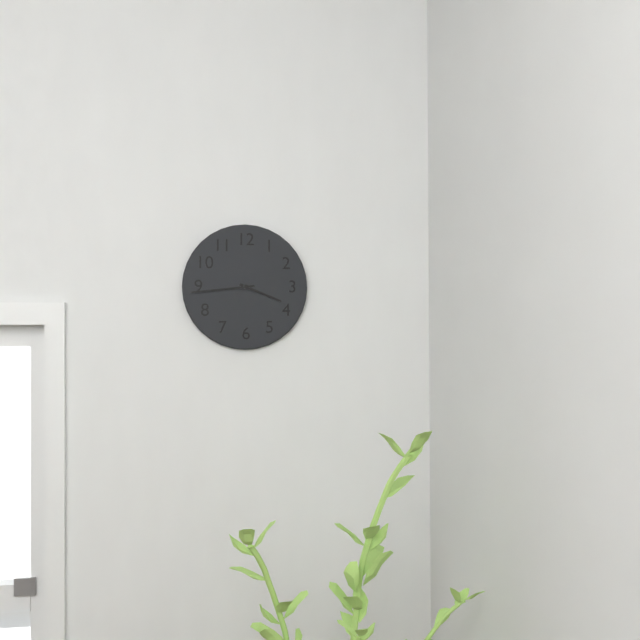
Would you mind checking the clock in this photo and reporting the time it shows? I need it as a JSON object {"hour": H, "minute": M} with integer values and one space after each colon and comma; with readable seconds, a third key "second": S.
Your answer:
{"hour": 3, "minute": 44}
